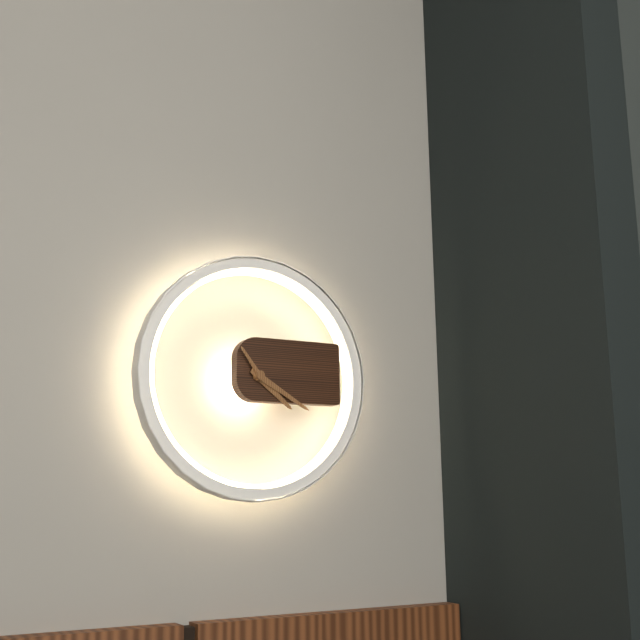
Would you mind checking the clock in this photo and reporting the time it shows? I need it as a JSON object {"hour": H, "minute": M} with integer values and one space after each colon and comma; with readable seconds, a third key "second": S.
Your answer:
{"hour": 4, "minute": 20}
